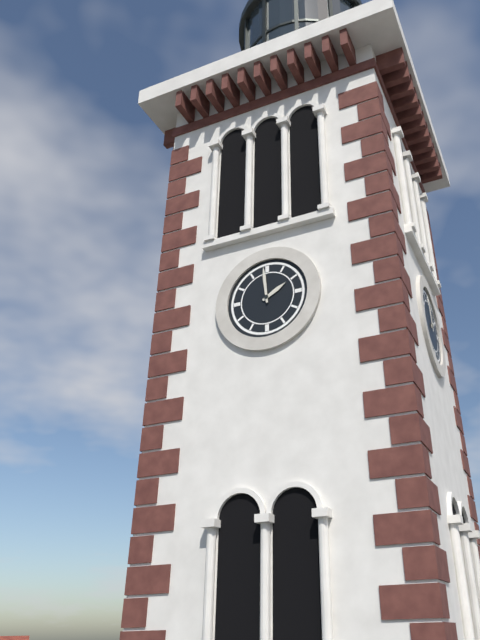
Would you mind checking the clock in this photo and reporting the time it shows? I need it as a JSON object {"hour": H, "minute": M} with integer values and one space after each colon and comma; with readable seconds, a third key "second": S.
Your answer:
{"hour": 1, "minute": 59}
